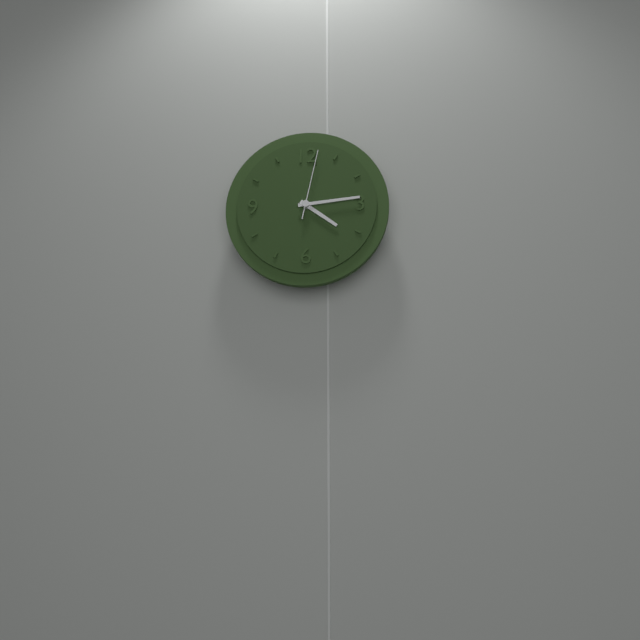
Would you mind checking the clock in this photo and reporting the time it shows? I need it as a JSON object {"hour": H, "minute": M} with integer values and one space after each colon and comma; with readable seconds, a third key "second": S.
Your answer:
{"hour": 4, "minute": 14, "second": 2}
